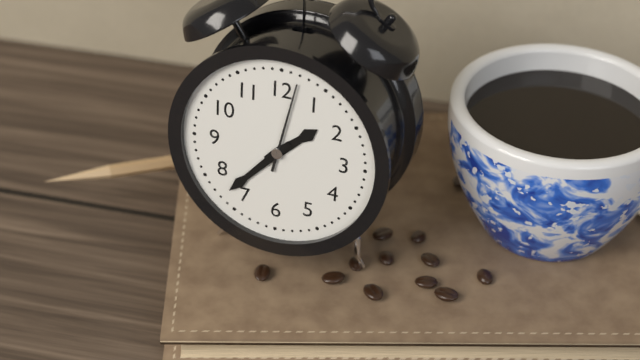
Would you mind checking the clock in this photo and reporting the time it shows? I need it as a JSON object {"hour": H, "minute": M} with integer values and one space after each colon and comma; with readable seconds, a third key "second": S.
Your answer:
{"hour": 1, "minute": 37, "second": 2}
